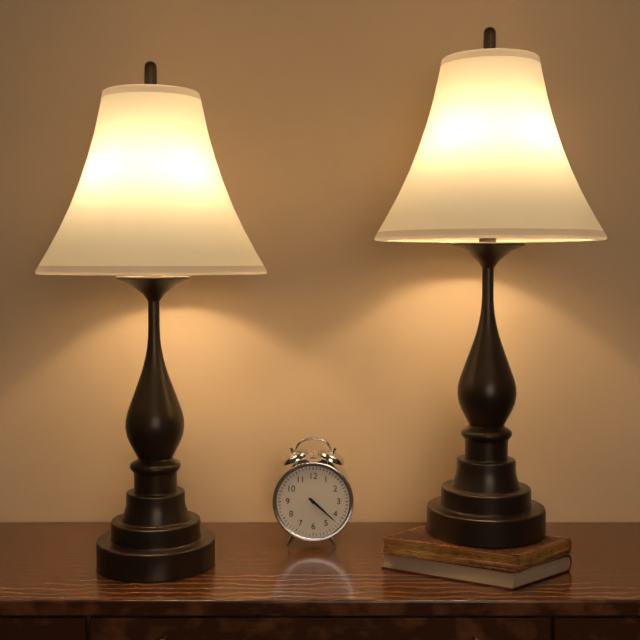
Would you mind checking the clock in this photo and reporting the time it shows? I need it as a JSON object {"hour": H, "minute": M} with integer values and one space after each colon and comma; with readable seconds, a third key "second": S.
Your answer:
{"hour": 4, "minute": 22}
